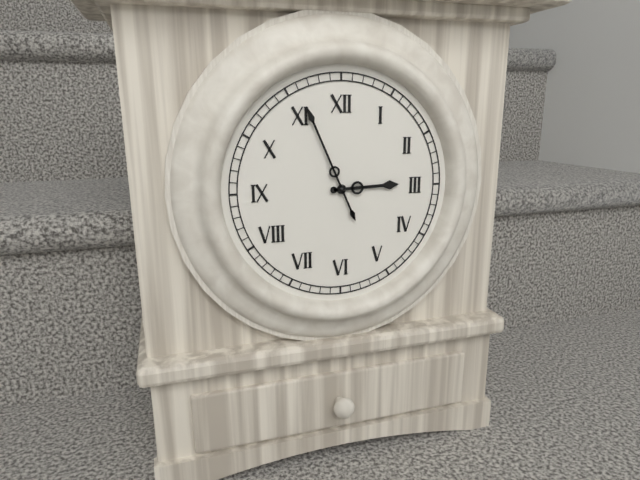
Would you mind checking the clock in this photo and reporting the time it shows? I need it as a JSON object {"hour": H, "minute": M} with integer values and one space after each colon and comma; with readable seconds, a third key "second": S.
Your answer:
{"hour": 2, "minute": 56}
